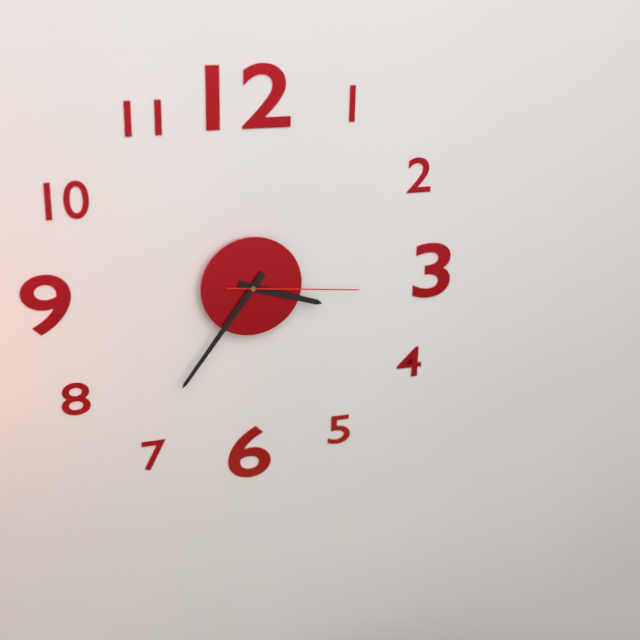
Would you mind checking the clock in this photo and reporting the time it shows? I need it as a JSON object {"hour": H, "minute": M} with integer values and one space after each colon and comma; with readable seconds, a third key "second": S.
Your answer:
{"hour": 3, "minute": 36, "second": 16}
